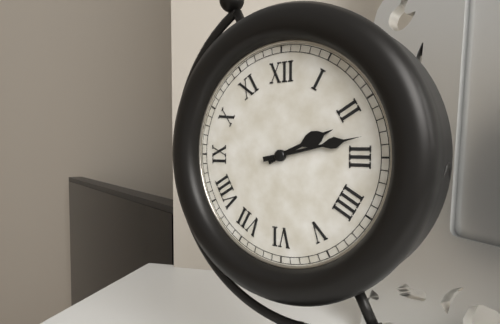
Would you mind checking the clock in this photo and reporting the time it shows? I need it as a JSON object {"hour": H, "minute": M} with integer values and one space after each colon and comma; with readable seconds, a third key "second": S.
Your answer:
{"hour": 2, "minute": 13}
